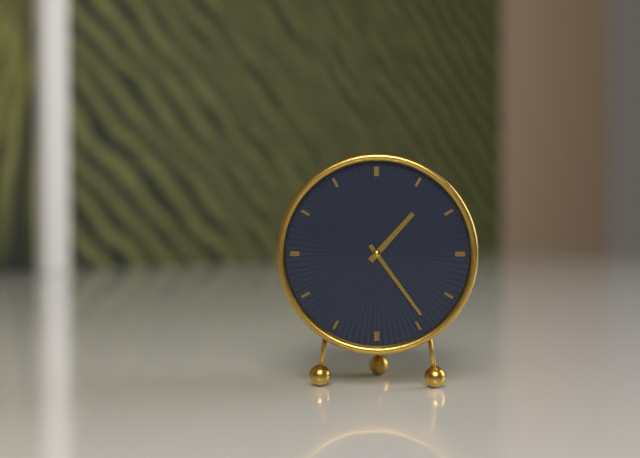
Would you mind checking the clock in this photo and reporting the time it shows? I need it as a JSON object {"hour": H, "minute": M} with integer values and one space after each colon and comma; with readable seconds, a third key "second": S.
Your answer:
{"hour": 1, "minute": 24}
